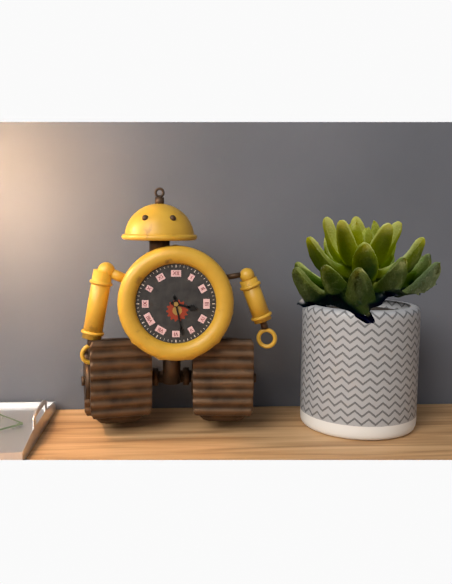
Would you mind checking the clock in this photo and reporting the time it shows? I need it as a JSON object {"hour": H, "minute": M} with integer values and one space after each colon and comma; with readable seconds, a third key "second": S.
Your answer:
{"hour": 3, "minute": 28}
